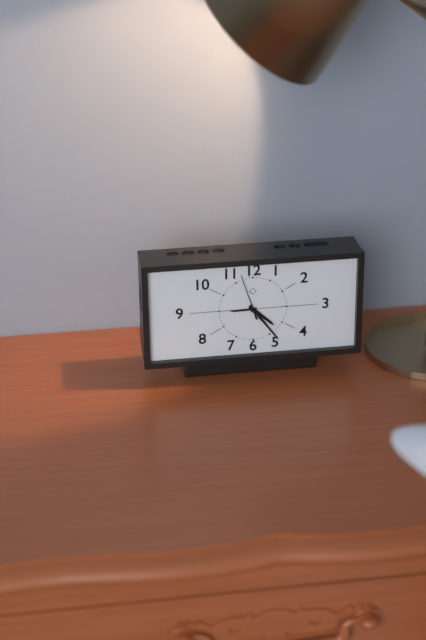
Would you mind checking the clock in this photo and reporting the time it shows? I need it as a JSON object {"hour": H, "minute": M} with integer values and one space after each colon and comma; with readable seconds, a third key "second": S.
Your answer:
{"hour": 4, "minute": 24}
